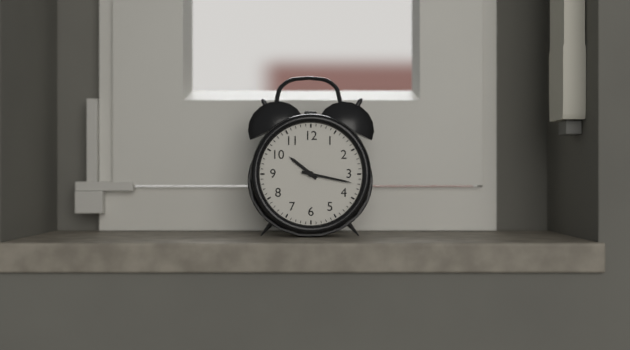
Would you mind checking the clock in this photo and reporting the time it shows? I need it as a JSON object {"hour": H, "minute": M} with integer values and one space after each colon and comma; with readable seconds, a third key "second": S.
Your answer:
{"hour": 10, "minute": 17}
